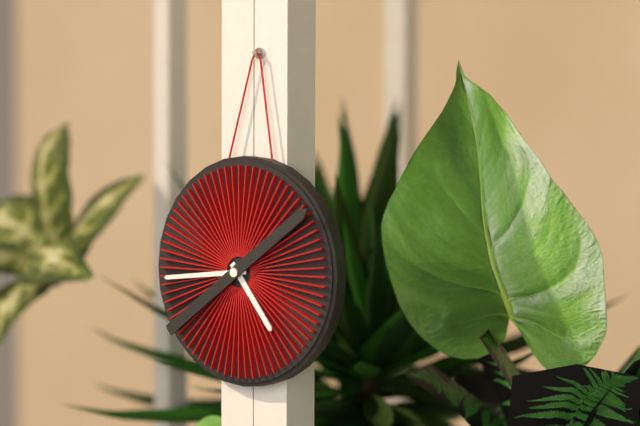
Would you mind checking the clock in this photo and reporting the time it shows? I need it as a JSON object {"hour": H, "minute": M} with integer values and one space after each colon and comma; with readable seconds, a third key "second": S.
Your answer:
{"hour": 4, "minute": 44, "second": 9}
